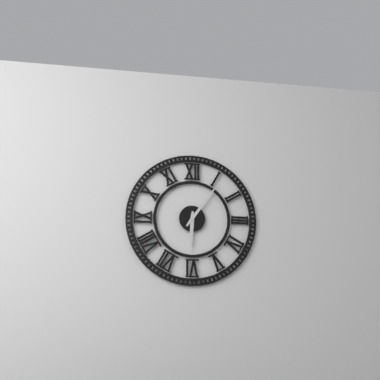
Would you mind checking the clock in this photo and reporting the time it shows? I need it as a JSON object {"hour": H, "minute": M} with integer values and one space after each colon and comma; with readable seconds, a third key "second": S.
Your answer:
{"hour": 6, "minute": 6}
